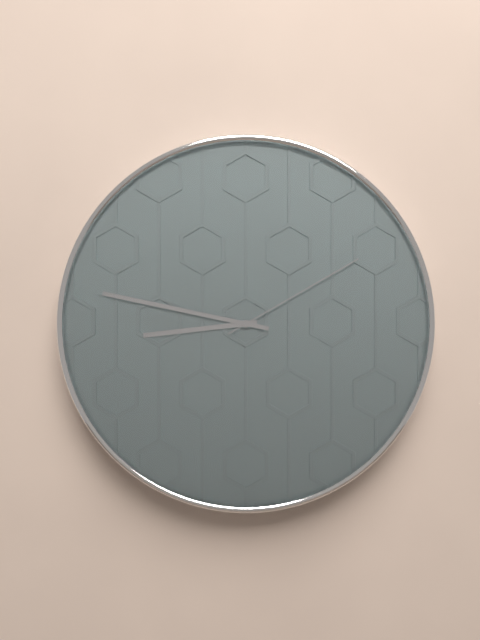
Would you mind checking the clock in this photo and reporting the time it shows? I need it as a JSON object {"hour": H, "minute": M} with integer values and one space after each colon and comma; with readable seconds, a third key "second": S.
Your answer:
{"hour": 8, "minute": 47, "second": 10}
